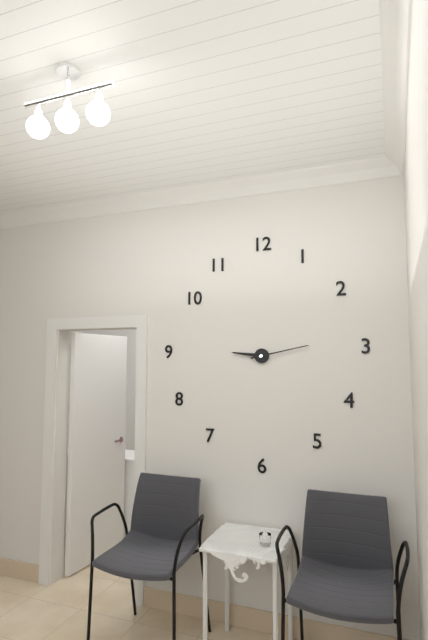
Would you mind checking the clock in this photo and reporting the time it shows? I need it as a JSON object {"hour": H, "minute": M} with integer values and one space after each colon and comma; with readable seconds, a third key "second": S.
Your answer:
{"hour": 9, "minute": 13}
